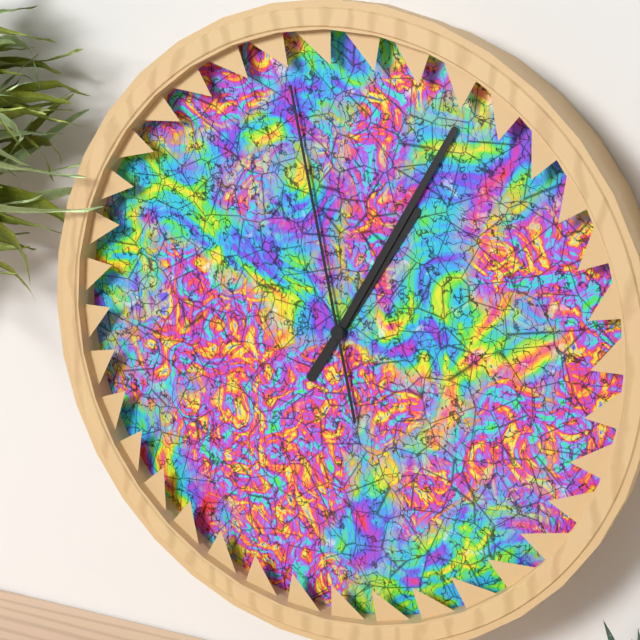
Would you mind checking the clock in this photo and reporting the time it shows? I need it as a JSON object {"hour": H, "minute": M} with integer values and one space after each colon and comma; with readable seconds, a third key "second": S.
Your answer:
{"hour": 1, "minute": 5, "second": 58}
